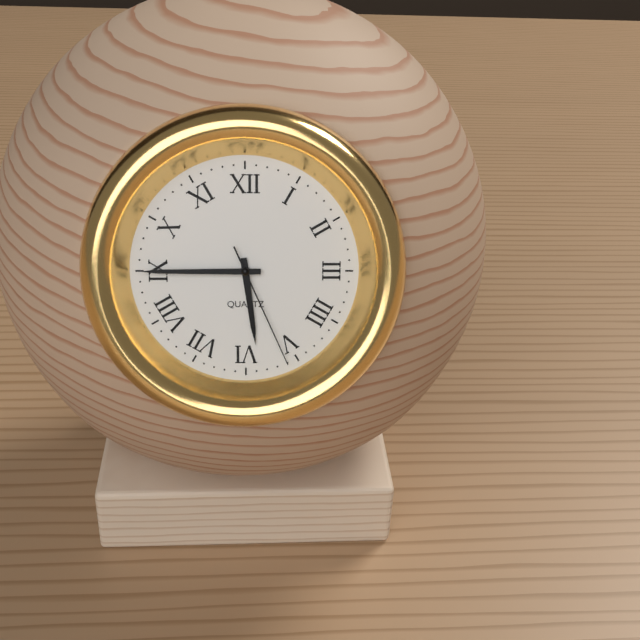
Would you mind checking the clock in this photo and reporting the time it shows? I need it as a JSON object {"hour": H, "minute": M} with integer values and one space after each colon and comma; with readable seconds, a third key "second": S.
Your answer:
{"hour": 5, "minute": 45, "second": 26}
